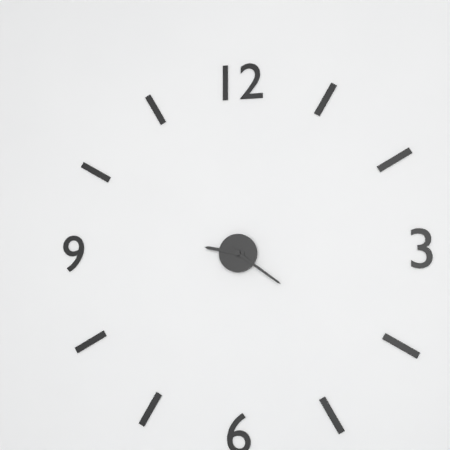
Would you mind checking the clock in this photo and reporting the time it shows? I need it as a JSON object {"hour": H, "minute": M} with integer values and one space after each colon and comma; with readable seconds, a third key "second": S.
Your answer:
{"hour": 9, "minute": 21}
